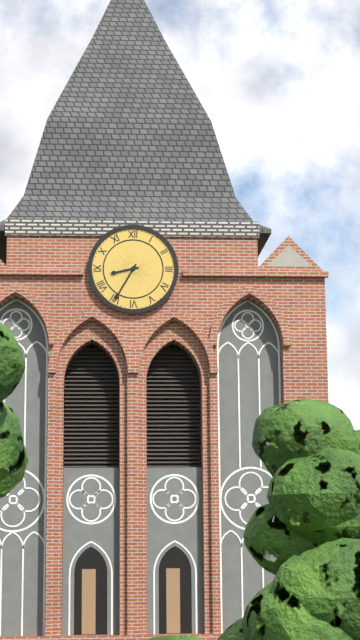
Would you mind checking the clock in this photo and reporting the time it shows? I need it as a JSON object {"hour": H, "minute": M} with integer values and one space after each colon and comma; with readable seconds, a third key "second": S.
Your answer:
{"hour": 8, "minute": 35}
